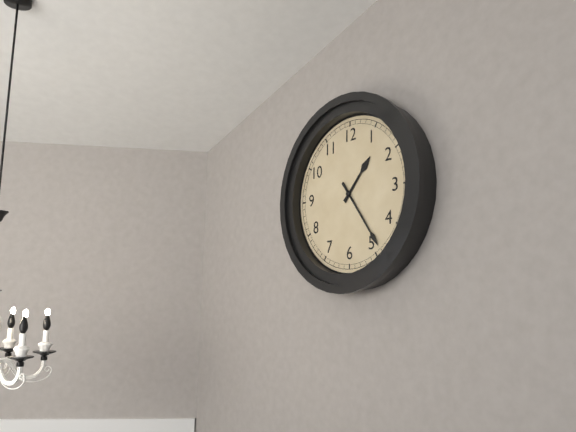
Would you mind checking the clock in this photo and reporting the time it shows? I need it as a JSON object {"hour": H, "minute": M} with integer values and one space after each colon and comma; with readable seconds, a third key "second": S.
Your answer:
{"hour": 1, "minute": 24}
